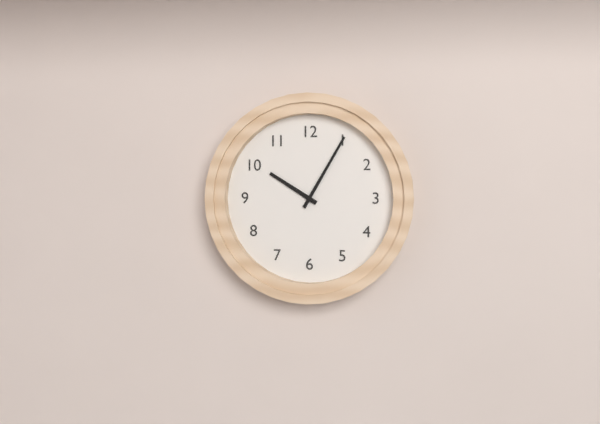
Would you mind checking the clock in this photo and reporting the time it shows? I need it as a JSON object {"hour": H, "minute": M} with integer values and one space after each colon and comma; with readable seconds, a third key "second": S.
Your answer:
{"hour": 10, "minute": 5}
